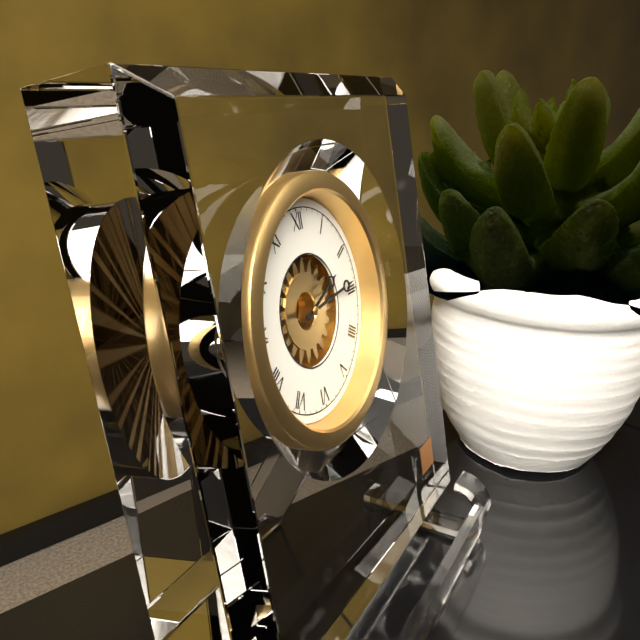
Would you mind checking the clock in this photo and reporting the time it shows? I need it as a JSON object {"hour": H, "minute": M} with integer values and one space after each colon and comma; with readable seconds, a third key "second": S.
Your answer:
{"hour": 2, "minute": 14}
